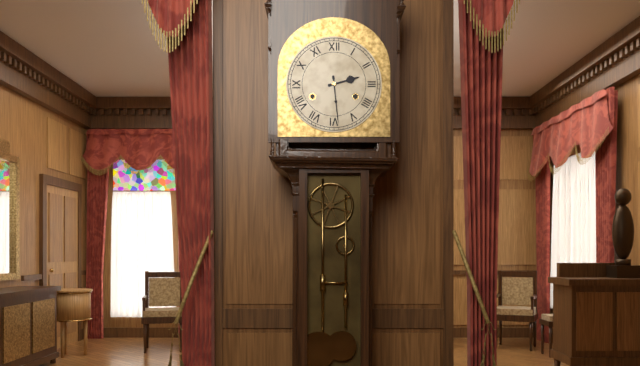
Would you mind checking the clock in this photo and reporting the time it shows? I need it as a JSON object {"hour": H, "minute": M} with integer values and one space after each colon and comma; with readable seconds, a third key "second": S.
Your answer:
{"hour": 2, "minute": 29}
